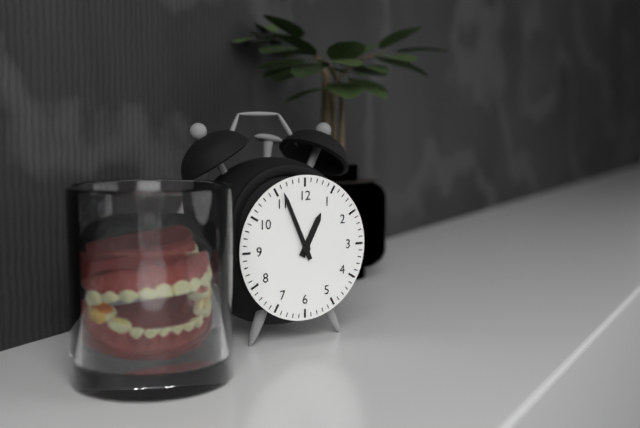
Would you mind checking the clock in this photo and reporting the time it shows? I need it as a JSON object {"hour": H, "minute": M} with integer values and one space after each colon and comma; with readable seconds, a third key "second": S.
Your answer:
{"hour": 12, "minute": 56}
